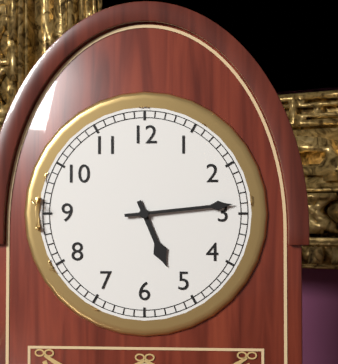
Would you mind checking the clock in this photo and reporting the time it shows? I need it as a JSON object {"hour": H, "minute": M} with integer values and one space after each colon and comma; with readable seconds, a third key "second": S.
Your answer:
{"hour": 5, "minute": 14}
